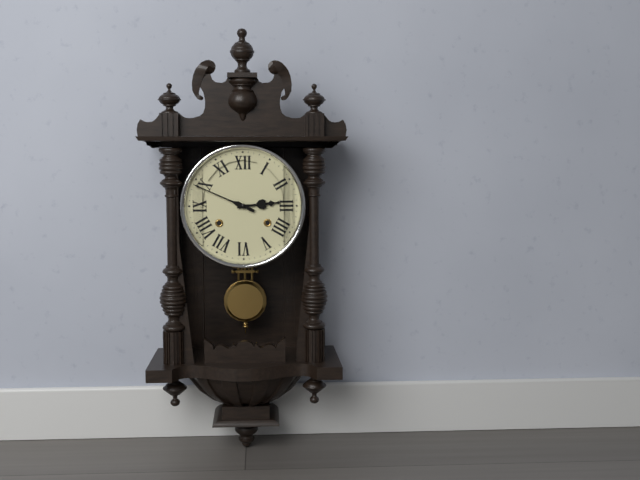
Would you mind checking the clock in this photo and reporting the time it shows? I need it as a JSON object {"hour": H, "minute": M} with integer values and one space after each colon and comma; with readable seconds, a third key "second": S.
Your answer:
{"hour": 2, "minute": 49}
